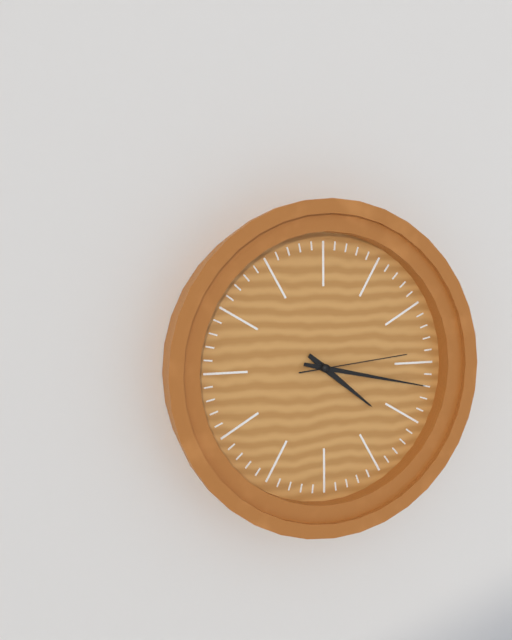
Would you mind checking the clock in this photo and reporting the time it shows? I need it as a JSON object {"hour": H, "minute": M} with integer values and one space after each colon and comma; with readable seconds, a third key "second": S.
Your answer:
{"hour": 4, "minute": 17, "second": 14}
